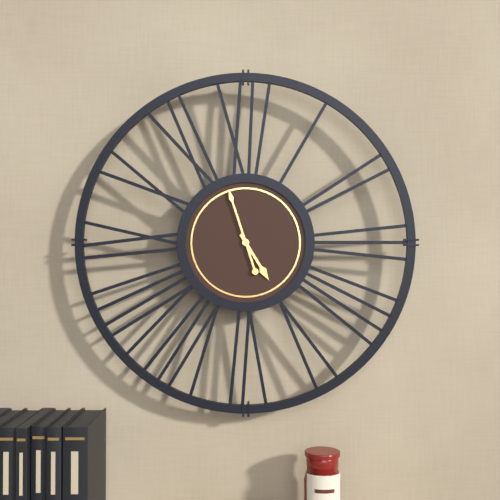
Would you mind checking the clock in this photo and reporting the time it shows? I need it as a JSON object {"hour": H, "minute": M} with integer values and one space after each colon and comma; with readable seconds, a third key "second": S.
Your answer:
{"hour": 4, "minute": 57}
